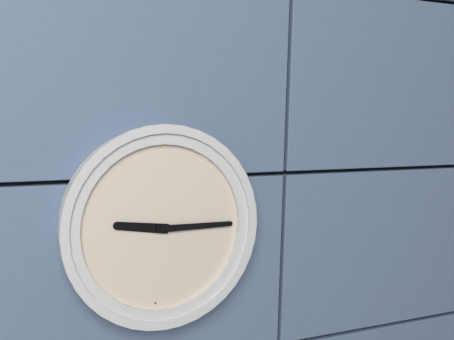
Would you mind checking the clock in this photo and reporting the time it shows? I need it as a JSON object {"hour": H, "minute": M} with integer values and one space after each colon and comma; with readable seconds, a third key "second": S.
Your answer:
{"hour": 9, "minute": 15}
